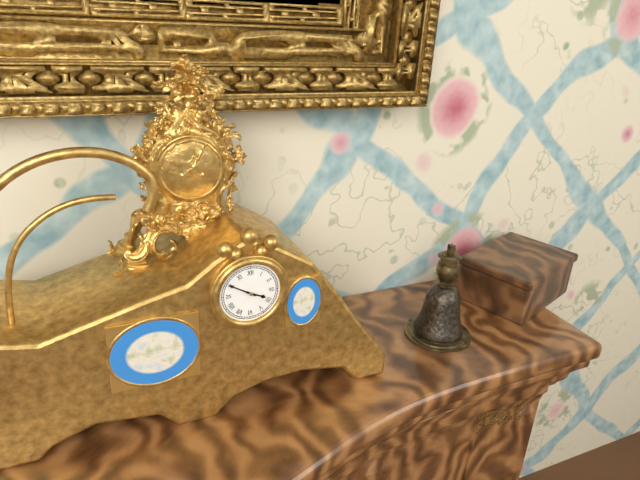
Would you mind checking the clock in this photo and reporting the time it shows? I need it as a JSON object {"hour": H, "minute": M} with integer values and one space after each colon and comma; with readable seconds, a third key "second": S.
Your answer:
{"hour": 3, "minute": 50}
